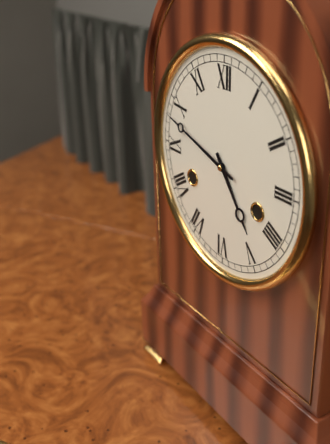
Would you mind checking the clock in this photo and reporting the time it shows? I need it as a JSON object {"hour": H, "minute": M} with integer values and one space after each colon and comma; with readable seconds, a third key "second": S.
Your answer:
{"hour": 4, "minute": 48}
